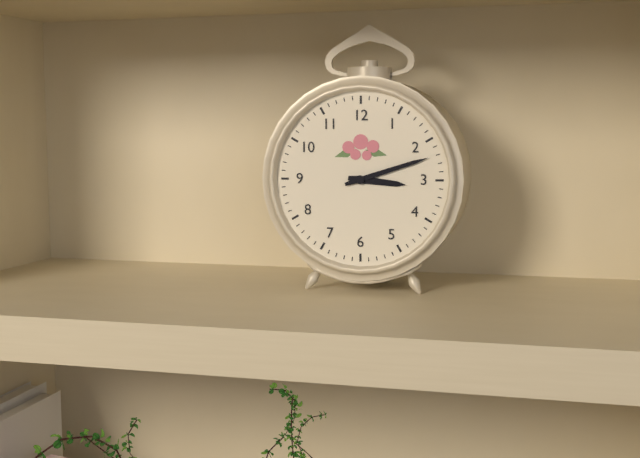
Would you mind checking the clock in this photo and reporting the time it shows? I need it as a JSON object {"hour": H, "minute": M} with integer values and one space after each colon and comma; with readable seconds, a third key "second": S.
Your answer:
{"hour": 3, "minute": 12}
